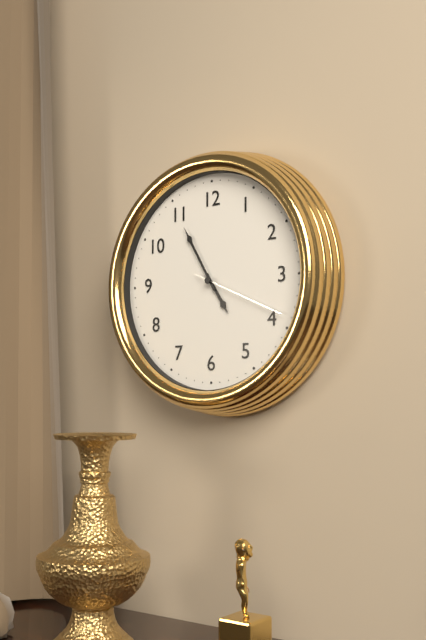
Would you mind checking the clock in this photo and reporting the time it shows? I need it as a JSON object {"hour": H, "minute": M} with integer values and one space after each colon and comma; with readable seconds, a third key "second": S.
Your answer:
{"hour": 4, "minute": 55, "second": 19}
